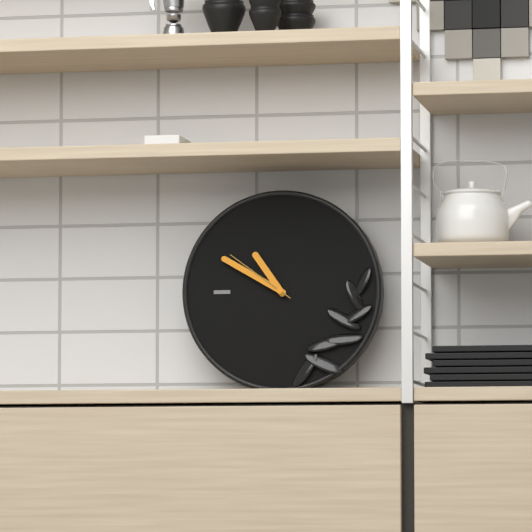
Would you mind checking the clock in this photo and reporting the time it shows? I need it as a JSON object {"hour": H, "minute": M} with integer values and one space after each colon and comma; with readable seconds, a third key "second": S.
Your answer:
{"hour": 10, "minute": 50, "second": 51}
